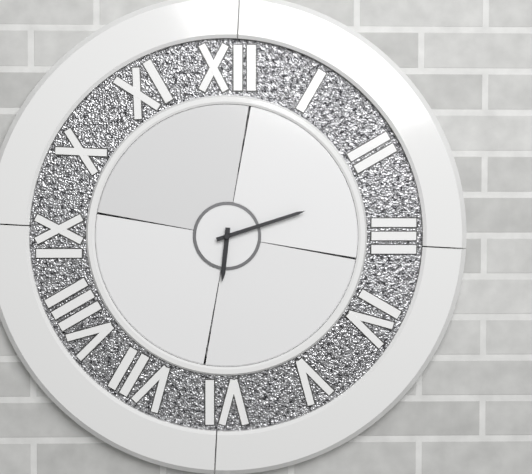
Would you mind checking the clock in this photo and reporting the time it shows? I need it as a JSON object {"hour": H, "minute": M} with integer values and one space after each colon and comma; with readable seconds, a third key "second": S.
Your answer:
{"hour": 6, "minute": 12}
